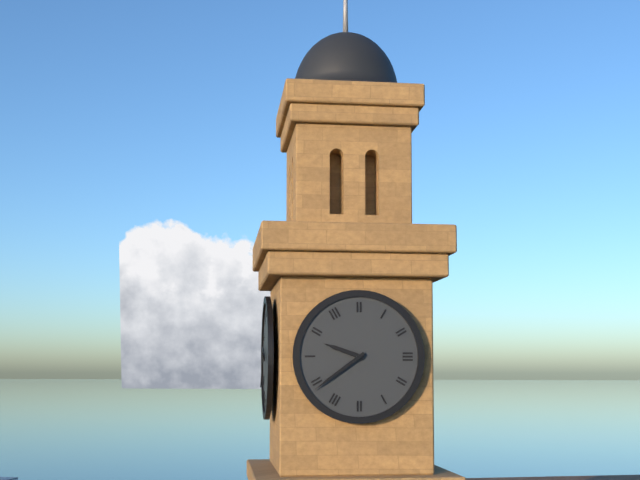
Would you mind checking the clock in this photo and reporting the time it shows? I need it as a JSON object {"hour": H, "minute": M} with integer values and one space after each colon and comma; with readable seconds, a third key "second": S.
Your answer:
{"hour": 9, "minute": 39}
